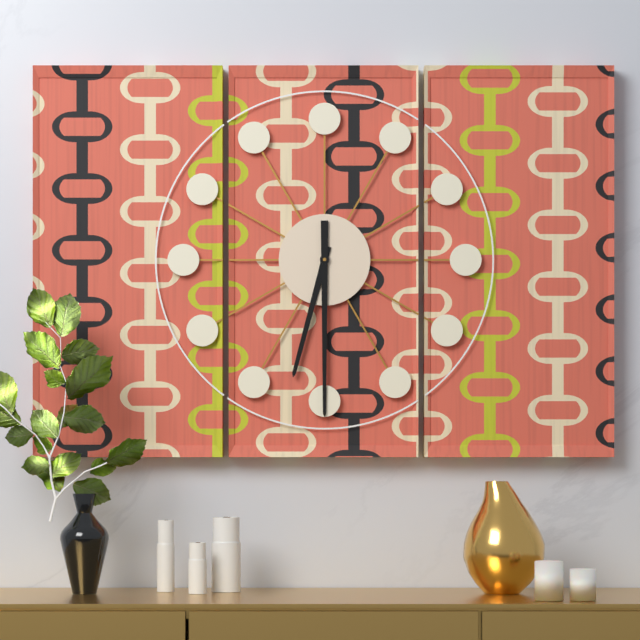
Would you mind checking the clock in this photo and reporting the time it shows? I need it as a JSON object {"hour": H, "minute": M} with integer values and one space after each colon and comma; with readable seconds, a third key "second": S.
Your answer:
{"hour": 6, "minute": 30}
